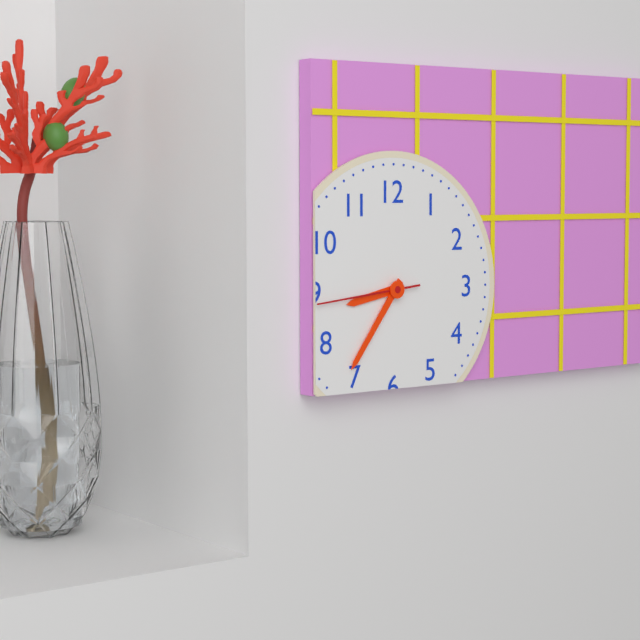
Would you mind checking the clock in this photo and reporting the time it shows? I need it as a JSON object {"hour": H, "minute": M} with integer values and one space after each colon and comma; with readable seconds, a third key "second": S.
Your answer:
{"hour": 8, "minute": 36, "second": 44}
